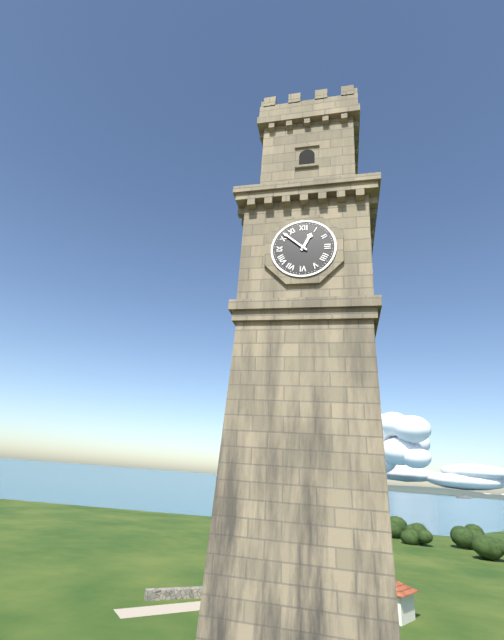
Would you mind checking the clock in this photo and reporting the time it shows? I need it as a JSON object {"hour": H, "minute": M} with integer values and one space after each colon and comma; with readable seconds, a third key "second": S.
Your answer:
{"hour": 12, "minute": 52}
